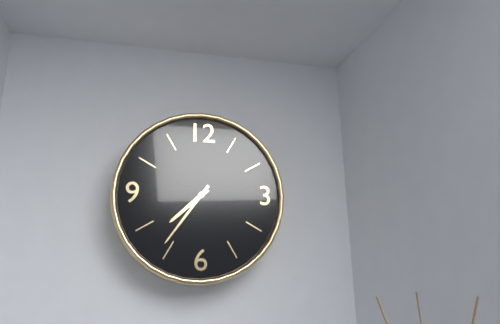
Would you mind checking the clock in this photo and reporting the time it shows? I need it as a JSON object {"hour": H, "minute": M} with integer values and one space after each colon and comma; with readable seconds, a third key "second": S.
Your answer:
{"hour": 7, "minute": 36}
